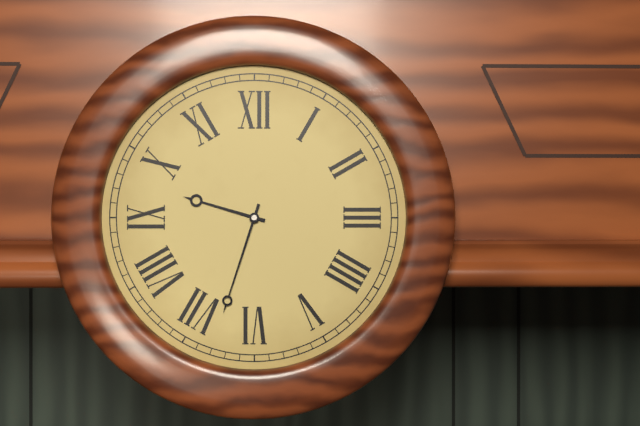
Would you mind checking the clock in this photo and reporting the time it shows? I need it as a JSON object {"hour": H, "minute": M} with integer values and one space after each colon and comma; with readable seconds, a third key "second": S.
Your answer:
{"hour": 9, "minute": 33}
